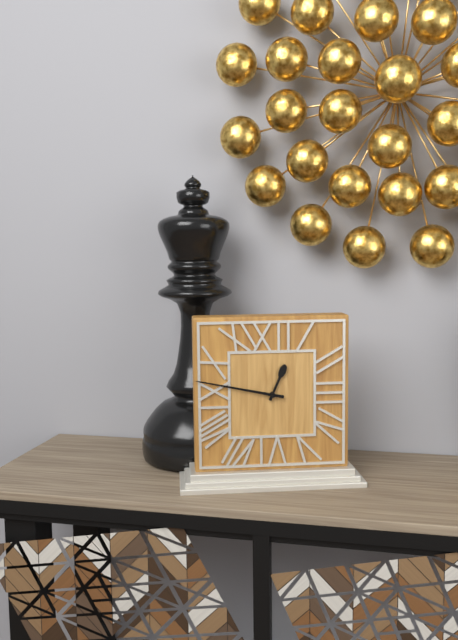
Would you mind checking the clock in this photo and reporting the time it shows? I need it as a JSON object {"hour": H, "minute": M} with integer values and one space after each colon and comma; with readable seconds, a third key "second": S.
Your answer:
{"hour": 12, "minute": 47}
